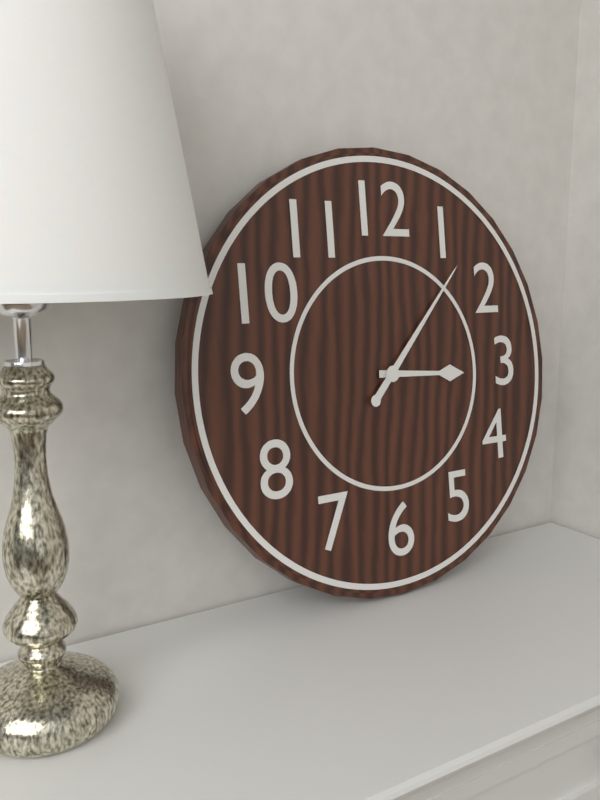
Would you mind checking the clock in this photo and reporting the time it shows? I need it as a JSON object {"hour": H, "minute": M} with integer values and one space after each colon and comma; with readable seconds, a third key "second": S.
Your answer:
{"hour": 3, "minute": 7}
